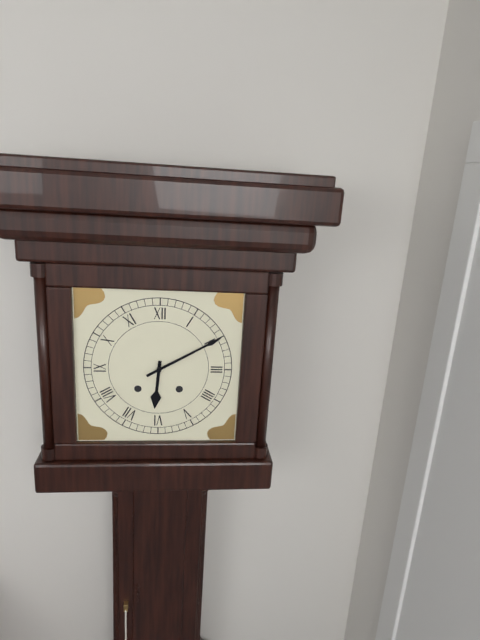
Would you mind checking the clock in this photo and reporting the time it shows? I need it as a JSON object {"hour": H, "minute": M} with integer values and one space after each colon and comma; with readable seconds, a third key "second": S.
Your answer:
{"hour": 6, "minute": 10}
